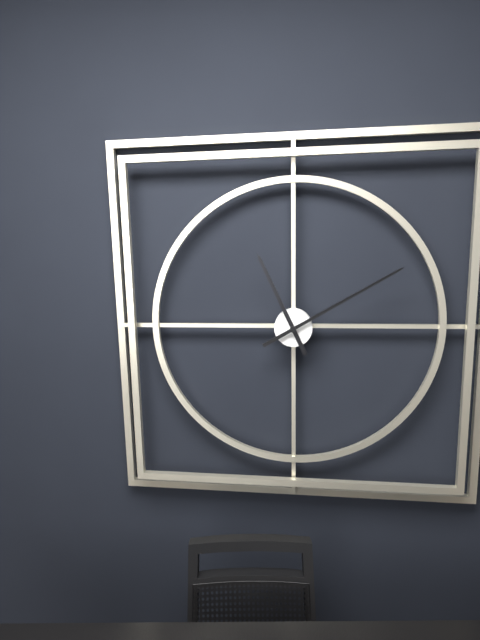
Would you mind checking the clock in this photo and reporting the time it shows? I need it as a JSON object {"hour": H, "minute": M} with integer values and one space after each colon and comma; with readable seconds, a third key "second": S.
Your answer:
{"hour": 11, "minute": 10}
